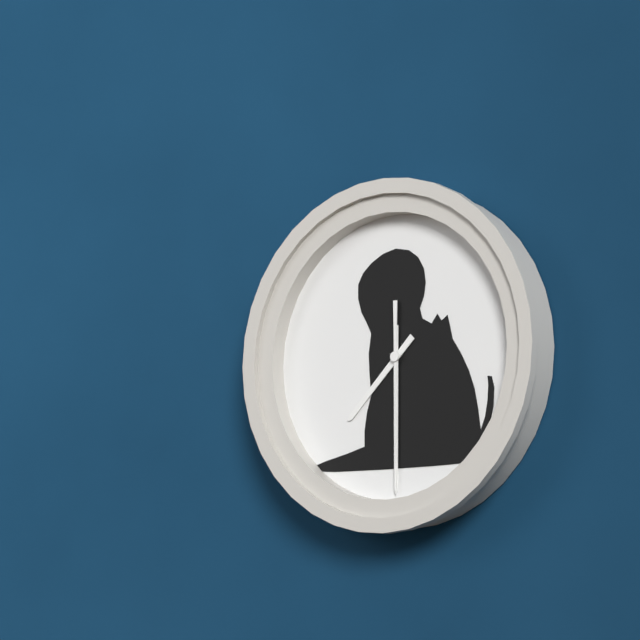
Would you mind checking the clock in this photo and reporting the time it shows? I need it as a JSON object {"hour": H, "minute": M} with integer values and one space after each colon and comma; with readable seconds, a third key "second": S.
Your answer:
{"hour": 7, "minute": 30, "second": 30}
